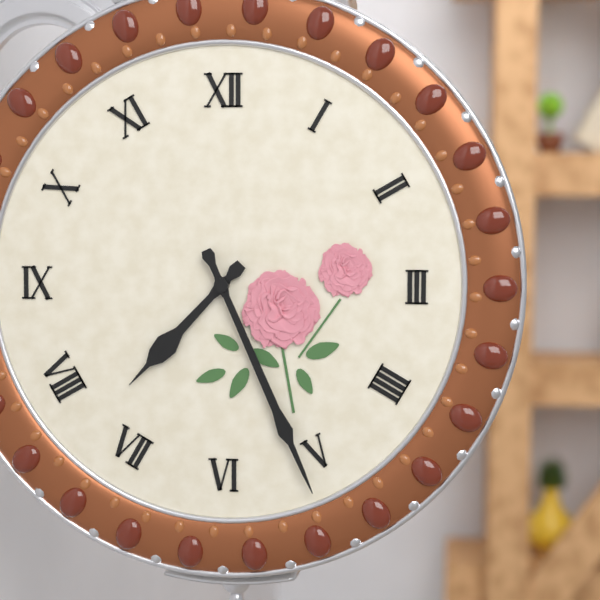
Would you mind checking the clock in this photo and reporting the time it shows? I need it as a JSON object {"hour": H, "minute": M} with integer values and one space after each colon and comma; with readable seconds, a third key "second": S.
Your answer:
{"hour": 7, "minute": 26}
